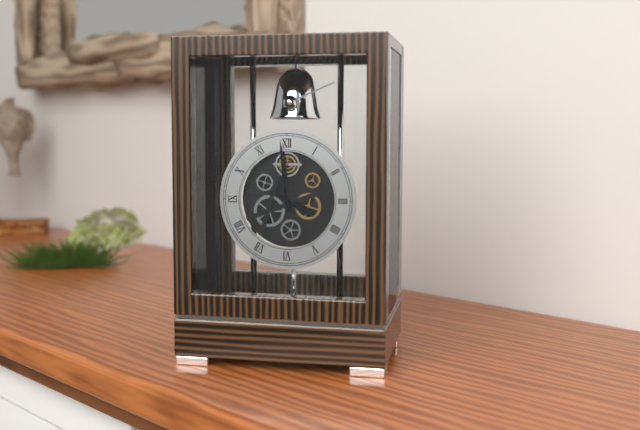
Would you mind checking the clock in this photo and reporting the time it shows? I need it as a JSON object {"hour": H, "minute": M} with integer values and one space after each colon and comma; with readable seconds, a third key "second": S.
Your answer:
{"hour": 3, "minute": 59}
